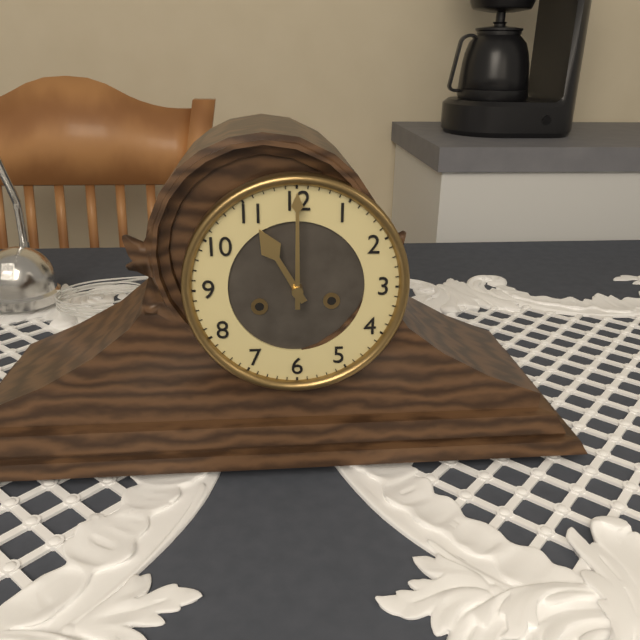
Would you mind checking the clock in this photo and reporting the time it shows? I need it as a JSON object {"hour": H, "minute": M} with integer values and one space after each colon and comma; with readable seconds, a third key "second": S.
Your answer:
{"hour": 11, "minute": 0}
